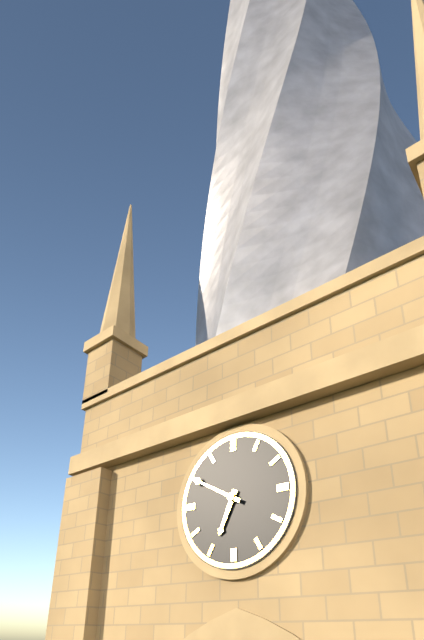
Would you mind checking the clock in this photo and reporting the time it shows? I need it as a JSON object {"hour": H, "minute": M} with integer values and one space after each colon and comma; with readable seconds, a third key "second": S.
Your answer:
{"hour": 6, "minute": 50}
